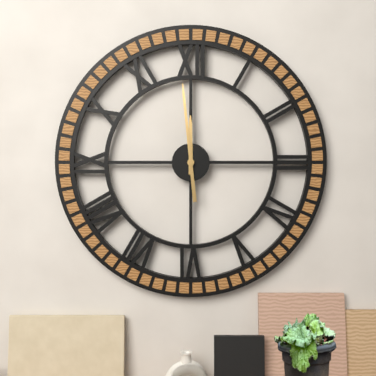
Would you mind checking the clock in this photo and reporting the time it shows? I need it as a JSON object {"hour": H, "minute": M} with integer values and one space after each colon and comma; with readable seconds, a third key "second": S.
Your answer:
{"hour": 11, "minute": 59}
